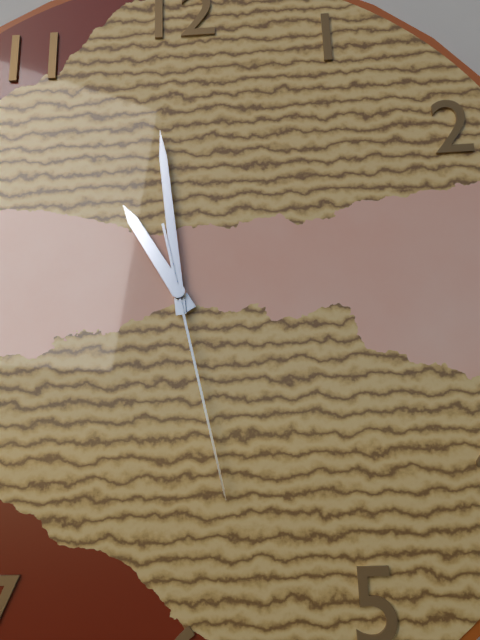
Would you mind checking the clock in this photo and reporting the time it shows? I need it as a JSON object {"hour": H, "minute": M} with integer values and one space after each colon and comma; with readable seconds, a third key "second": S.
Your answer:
{"hour": 10, "minute": 59, "second": 28}
